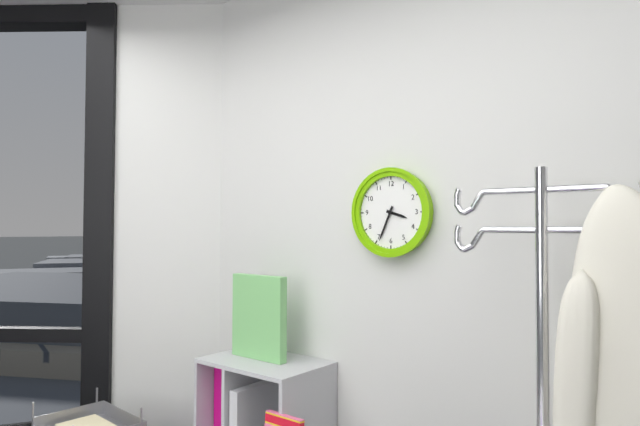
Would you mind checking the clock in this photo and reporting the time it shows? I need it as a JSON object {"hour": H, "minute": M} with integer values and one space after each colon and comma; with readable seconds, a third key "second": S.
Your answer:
{"hour": 3, "minute": 34}
